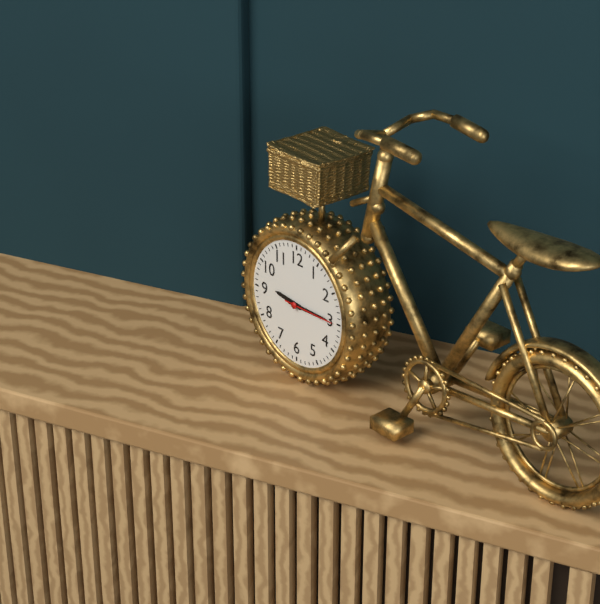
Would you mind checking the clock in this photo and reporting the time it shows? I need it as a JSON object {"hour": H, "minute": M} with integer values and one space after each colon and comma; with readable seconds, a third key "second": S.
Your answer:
{"hour": 9, "minute": 15}
